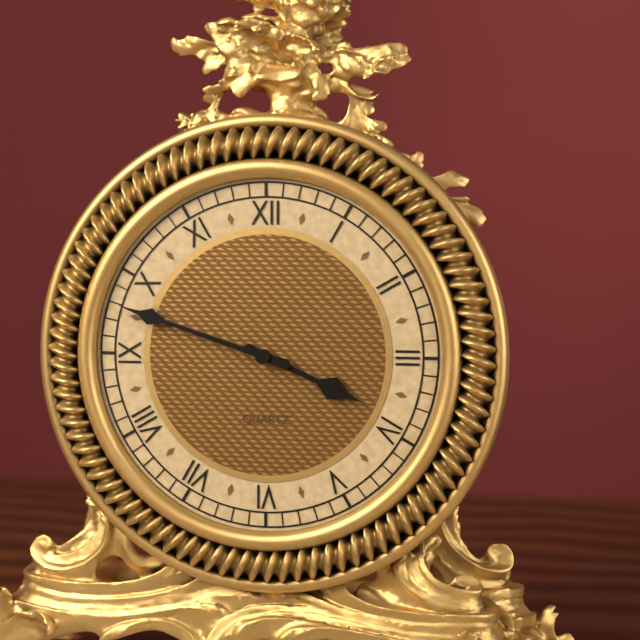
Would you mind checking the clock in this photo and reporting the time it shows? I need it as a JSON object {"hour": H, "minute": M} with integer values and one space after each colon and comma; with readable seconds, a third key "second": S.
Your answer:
{"hour": 3, "minute": 48}
